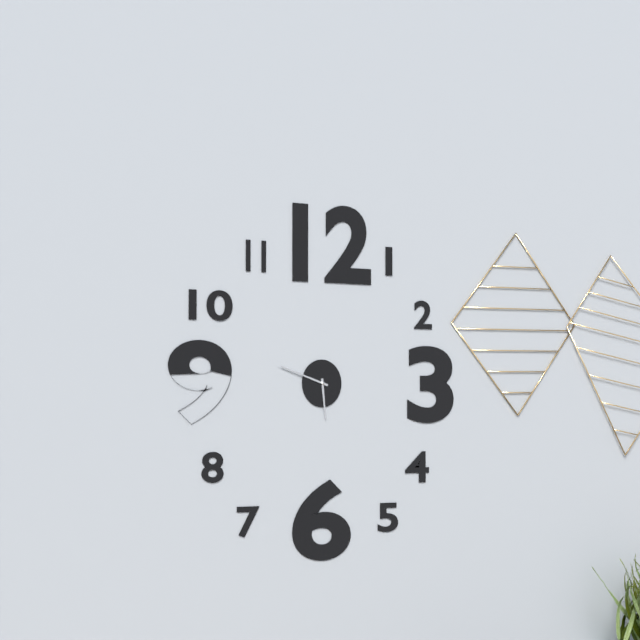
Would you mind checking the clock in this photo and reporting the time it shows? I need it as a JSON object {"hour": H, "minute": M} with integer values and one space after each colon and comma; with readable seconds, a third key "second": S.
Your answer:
{"hour": 5, "minute": 48}
